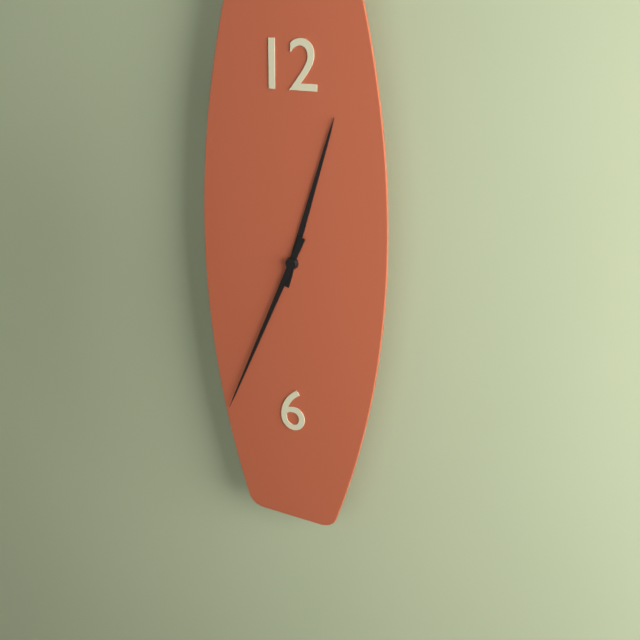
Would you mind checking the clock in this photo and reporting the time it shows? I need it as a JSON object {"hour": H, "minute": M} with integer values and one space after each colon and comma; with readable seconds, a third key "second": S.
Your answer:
{"hour": 12, "minute": 34}
